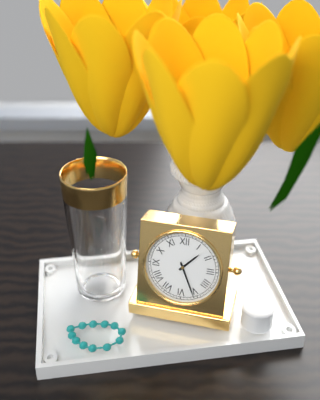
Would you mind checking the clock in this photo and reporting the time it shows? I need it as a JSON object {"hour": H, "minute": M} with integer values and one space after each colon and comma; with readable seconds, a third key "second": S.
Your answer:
{"hour": 1, "minute": 26}
